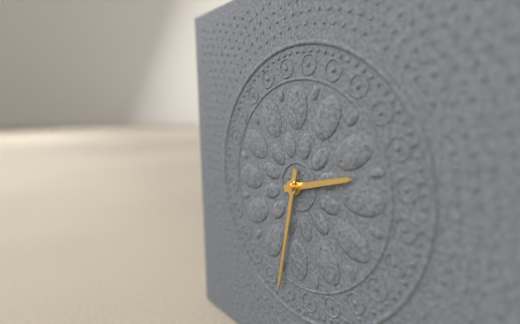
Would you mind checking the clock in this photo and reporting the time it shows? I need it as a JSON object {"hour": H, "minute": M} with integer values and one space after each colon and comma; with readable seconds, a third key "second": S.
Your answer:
{"hour": 2, "minute": 32}
